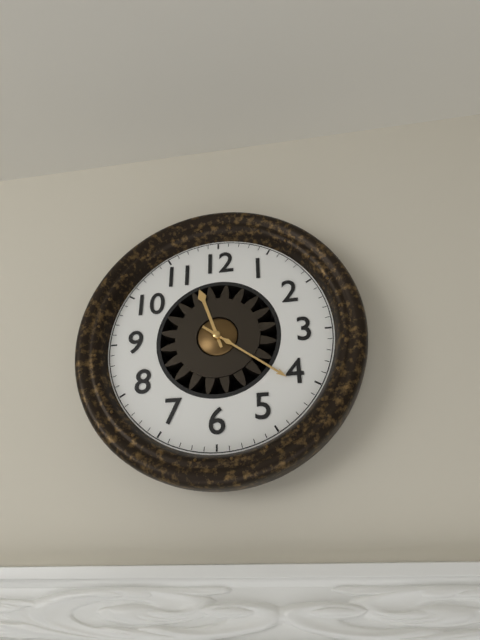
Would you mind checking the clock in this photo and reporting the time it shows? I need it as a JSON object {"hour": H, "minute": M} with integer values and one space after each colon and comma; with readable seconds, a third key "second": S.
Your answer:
{"hour": 11, "minute": 21}
